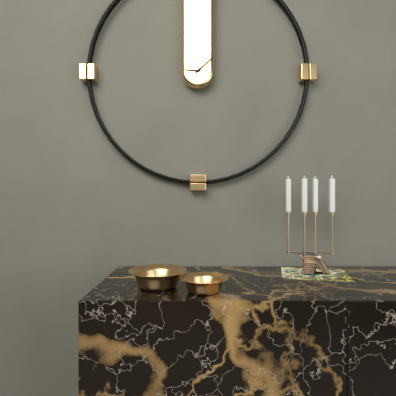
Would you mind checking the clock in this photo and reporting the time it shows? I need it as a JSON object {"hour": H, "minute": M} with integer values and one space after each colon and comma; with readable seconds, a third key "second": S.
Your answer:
{"hour": 9, "minute": 8}
